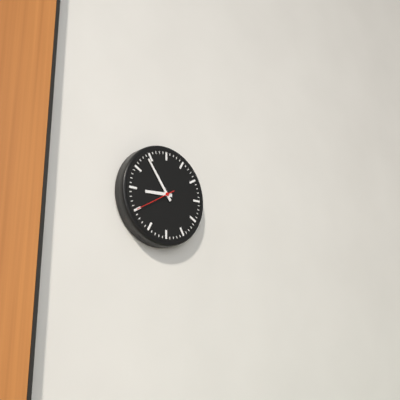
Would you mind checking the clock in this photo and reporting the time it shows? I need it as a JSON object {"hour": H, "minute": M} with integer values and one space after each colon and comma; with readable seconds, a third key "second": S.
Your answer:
{"hour": 8, "minute": 54}
